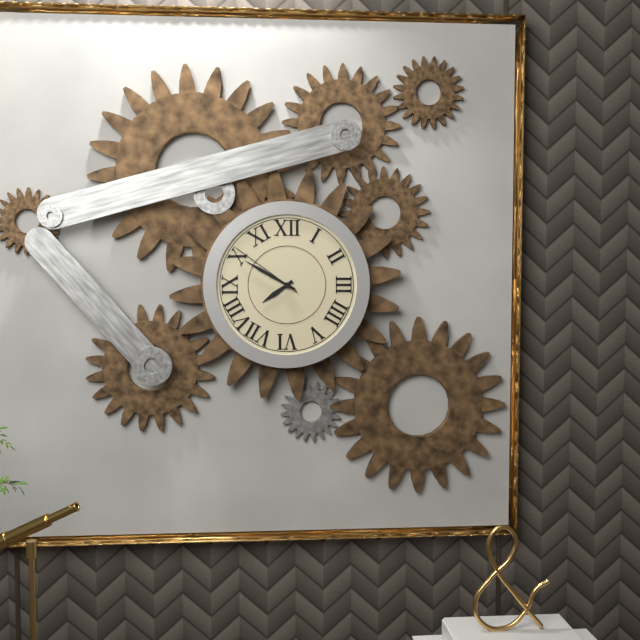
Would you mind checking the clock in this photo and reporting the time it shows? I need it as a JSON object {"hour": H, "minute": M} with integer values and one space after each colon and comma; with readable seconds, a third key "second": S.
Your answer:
{"hour": 7, "minute": 50, "second": 51}
